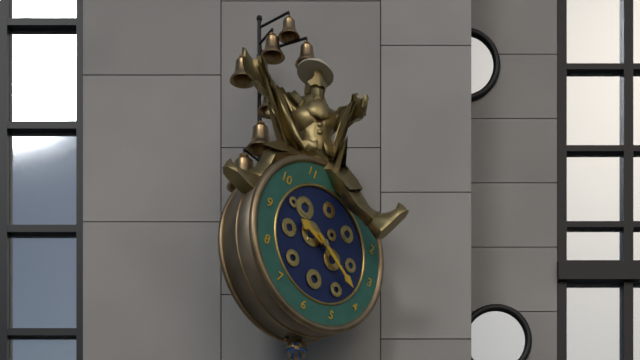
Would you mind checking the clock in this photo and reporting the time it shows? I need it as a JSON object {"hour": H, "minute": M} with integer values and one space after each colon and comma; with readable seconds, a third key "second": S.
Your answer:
{"hour": 9, "minute": 19}
